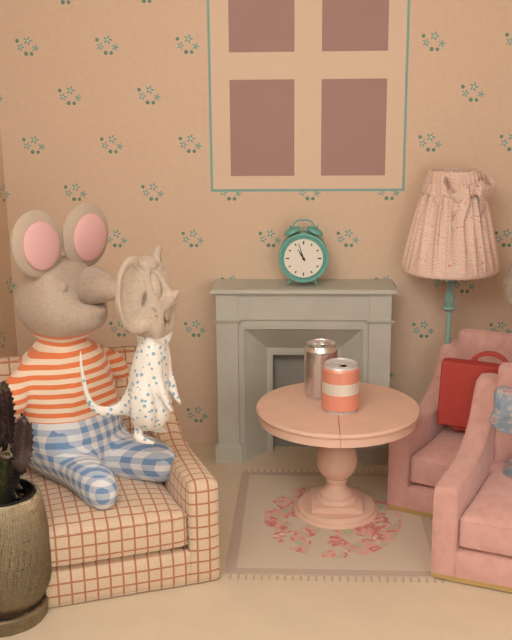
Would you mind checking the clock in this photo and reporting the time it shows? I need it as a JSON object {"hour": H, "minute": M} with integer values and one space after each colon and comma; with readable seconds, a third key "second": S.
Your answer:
{"hour": 10, "minute": 57}
